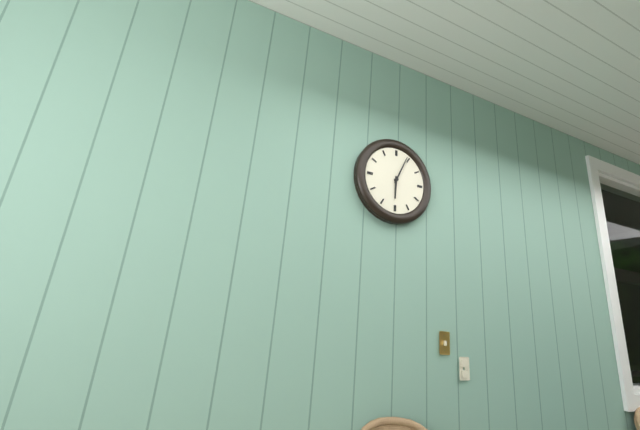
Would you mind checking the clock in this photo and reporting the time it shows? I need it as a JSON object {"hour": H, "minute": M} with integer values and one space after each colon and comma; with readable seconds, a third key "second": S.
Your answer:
{"hour": 6, "minute": 4}
